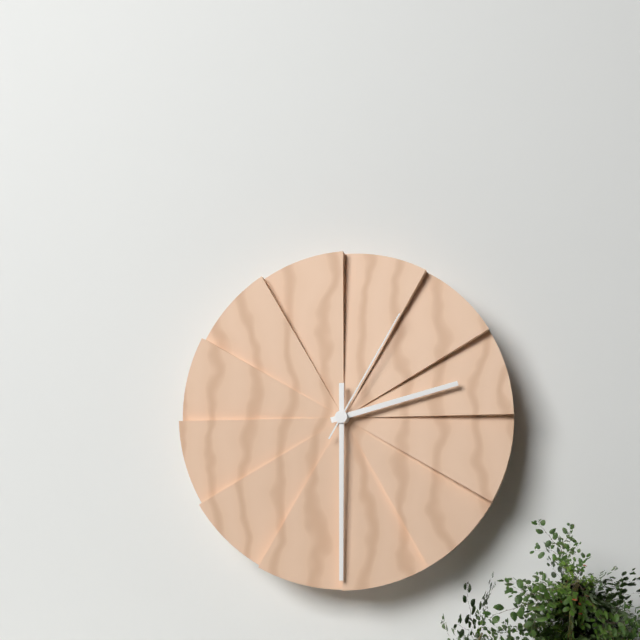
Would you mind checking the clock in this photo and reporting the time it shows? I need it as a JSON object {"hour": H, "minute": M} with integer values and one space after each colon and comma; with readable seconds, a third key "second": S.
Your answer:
{"hour": 2, "minute": 30, "second": 5}
